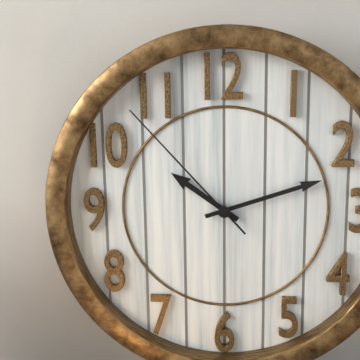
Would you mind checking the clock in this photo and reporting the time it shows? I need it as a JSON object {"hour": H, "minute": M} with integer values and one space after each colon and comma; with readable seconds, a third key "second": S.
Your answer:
{"hour": 10, "minute": 12, "second": 53}
